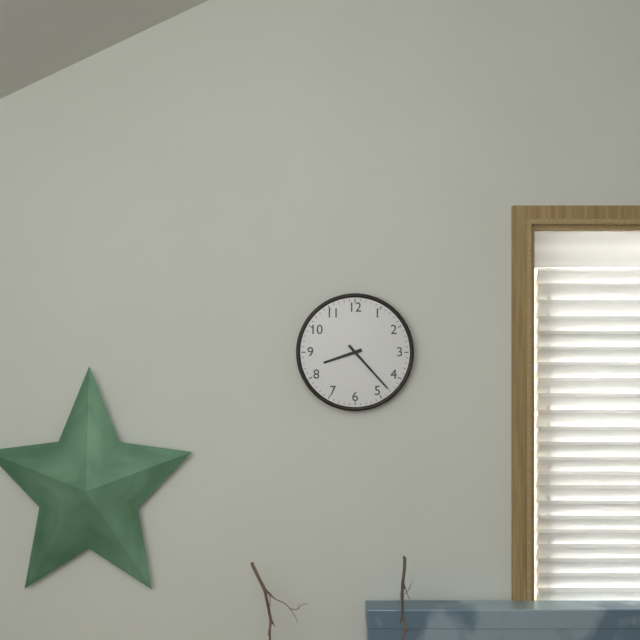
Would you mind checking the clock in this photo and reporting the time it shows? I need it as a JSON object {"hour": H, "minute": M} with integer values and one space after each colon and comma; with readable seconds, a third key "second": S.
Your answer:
{"hour": 8, "minute": 23}
